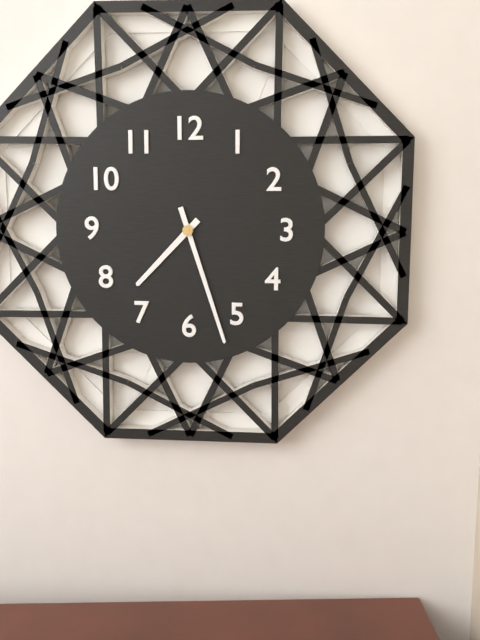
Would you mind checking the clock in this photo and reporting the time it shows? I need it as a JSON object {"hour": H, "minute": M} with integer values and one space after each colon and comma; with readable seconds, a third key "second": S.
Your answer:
{"hour": 7, "minute": 27}
